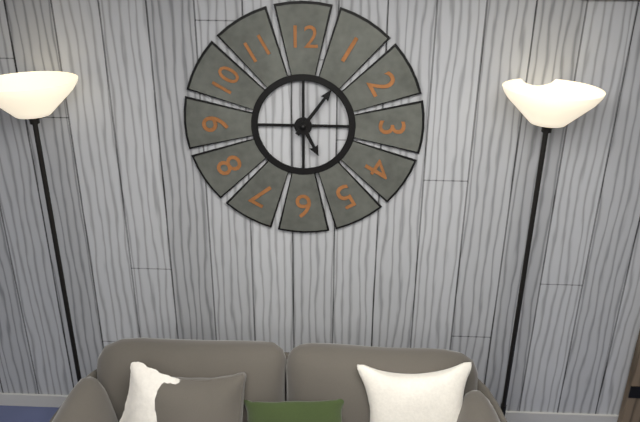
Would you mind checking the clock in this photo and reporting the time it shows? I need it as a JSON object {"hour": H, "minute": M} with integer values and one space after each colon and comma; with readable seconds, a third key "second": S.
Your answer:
{"hour": 5, "minute": 6}
